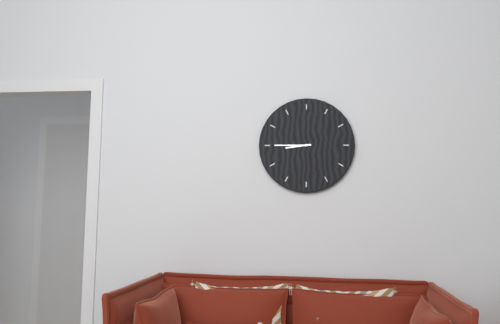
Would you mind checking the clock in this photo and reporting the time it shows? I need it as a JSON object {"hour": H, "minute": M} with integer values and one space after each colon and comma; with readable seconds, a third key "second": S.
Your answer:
{"hour": 8, "minute": 45}
